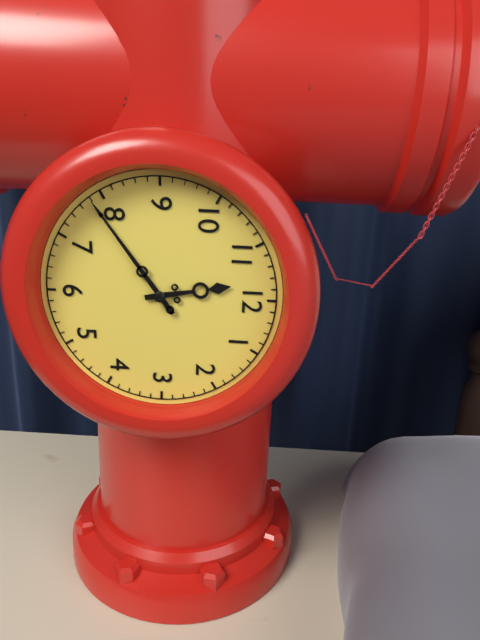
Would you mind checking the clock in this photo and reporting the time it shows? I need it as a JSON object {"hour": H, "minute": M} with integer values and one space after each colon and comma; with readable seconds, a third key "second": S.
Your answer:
{"hour": 11, "minute": 39}
